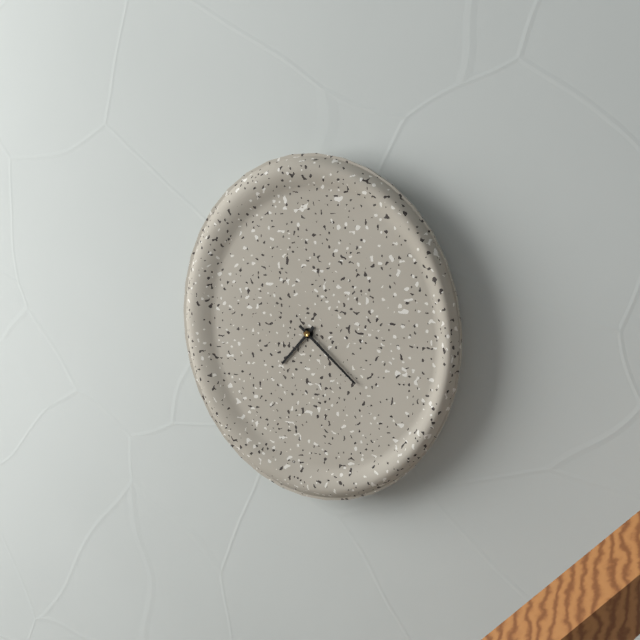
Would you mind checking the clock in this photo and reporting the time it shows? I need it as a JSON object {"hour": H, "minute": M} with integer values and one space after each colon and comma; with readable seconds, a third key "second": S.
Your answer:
{"hour": 7, "minute": 22}
